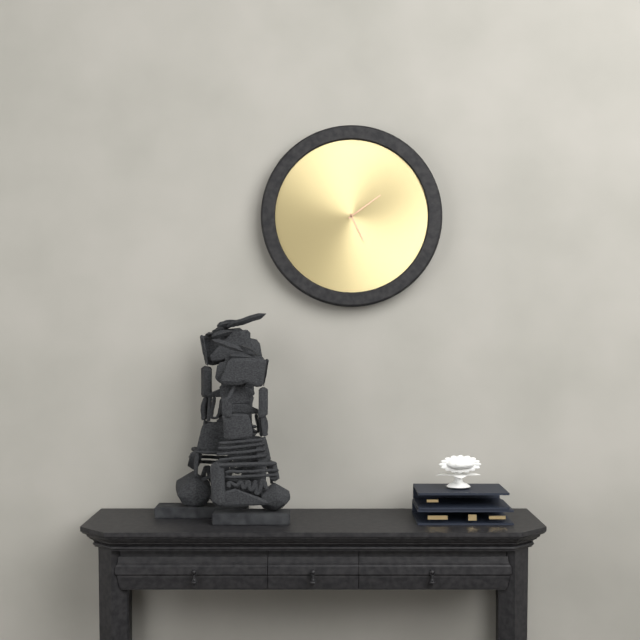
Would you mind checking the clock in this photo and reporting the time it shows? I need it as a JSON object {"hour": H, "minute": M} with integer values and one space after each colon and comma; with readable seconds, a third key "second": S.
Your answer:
{"hour": 5, "minute": 9}
